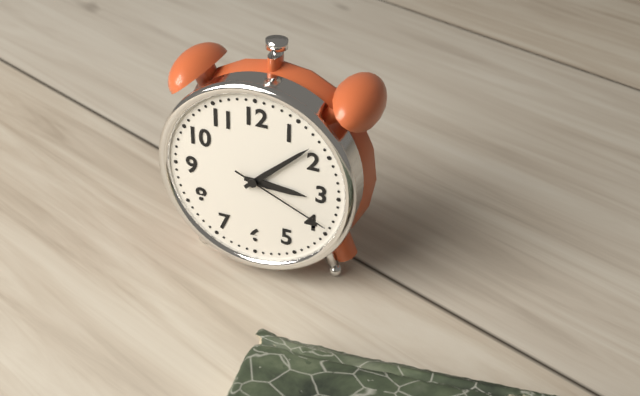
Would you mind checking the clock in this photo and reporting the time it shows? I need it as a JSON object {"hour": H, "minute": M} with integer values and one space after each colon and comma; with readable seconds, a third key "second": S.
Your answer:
{"hour": 3, "minute": 8, "second": 19}
